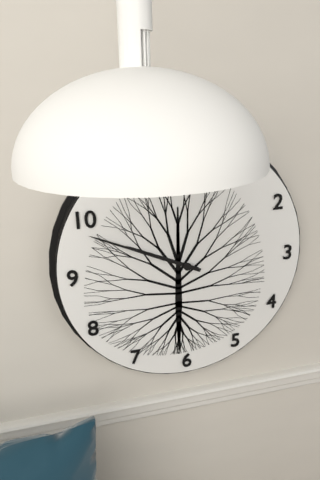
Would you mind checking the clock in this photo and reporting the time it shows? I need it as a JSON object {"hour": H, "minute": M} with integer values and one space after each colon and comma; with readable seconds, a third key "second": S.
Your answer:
{"hour": 9, "minute": 49}
